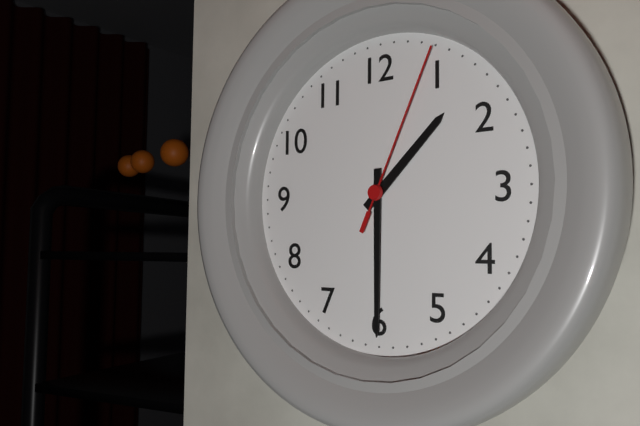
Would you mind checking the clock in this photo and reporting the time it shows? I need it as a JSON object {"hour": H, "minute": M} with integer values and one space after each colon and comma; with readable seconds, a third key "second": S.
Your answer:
{"hour": 1, "minute": 30, "second": 4}
